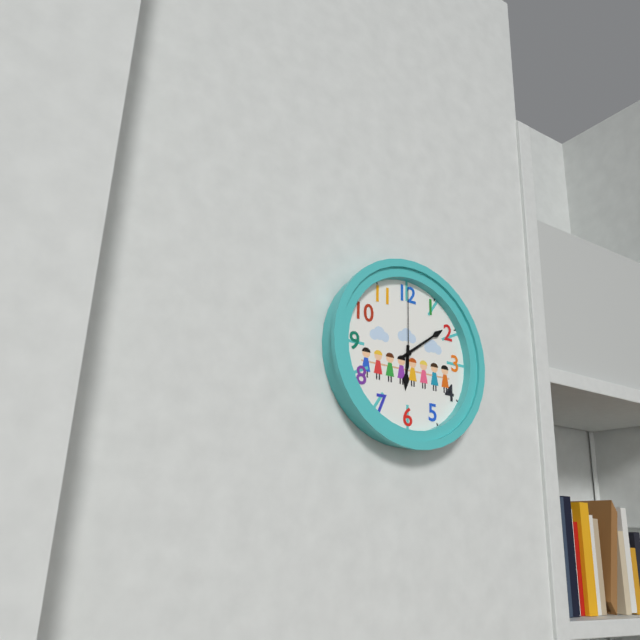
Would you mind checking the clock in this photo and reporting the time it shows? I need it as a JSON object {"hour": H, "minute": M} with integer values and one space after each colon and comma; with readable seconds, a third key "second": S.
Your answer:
{"hour": 6, "minute": 9, "second": 0}
